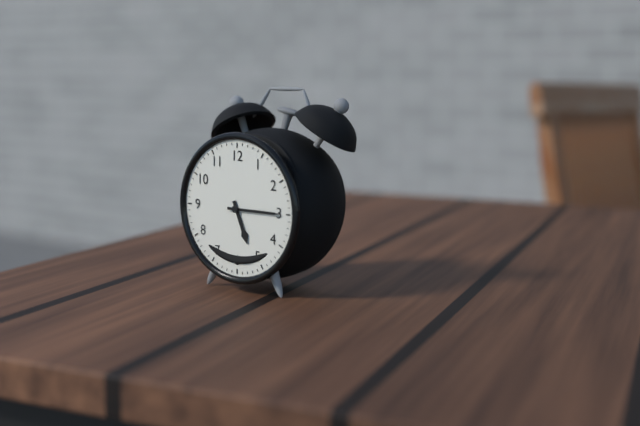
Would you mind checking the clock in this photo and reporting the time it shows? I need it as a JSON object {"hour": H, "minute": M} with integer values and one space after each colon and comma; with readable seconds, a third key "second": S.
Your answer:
{"hour": 5, "minute": 15}
